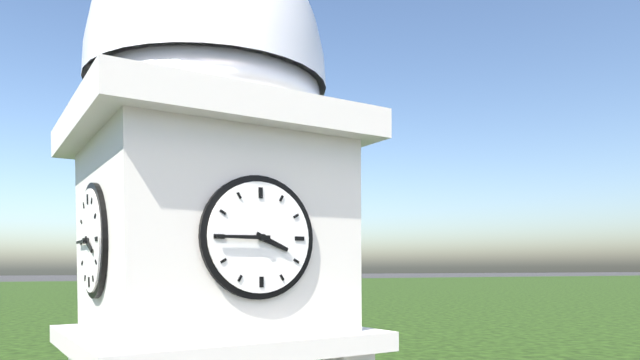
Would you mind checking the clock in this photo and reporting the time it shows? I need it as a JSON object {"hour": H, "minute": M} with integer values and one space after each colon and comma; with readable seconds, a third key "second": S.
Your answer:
{"hour": 3, "minute": 45}
